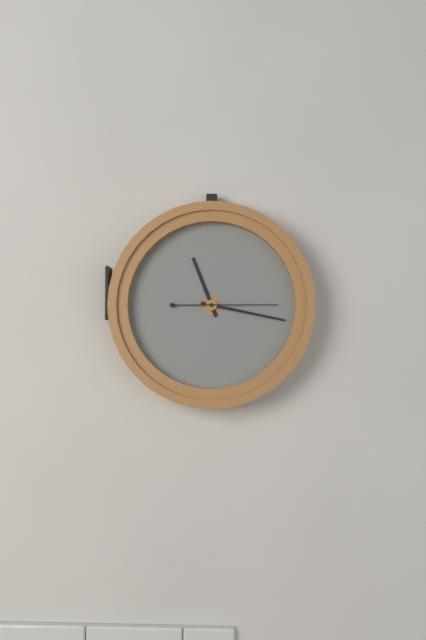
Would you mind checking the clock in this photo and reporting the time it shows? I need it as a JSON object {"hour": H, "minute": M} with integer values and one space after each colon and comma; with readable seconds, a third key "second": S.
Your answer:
{"hour": 11, "minute": 17, "second": 15}
